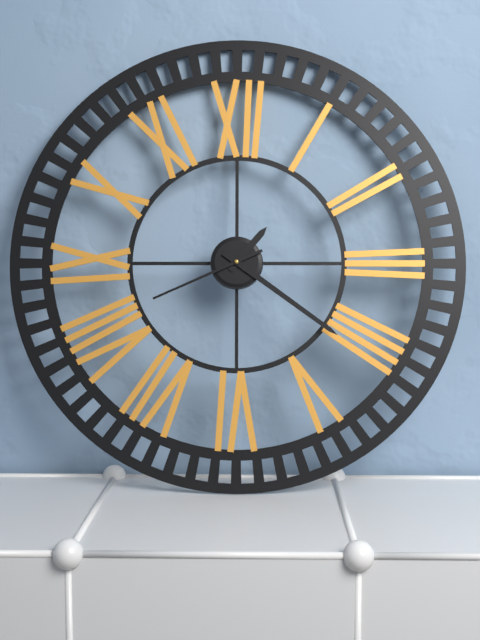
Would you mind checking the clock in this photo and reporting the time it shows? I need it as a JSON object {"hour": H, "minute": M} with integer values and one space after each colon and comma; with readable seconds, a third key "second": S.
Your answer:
{"hour": 1, "minute": 21, "second": 41}
